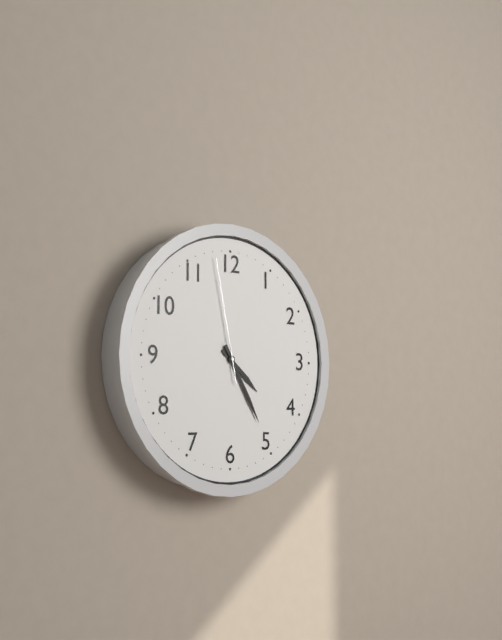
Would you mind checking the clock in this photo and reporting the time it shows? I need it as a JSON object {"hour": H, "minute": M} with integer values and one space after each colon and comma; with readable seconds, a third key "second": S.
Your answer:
{"hour": 4, "minute": 25, "second": 58}
